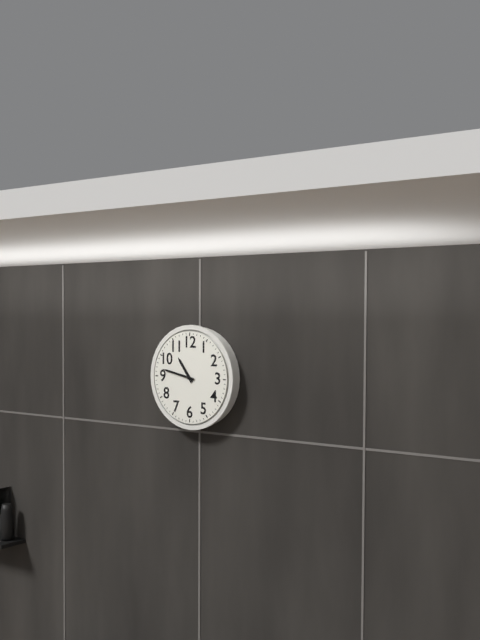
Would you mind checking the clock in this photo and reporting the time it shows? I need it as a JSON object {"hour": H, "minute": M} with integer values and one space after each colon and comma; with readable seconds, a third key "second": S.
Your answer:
{"hour": 10, "minute": 47}
